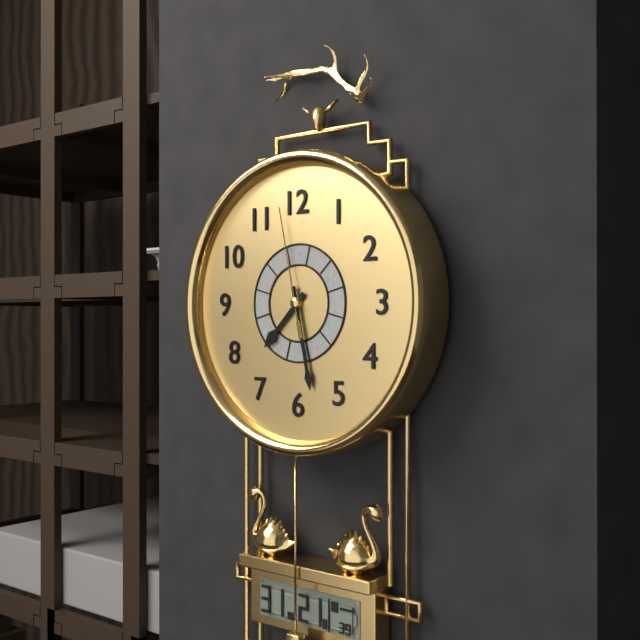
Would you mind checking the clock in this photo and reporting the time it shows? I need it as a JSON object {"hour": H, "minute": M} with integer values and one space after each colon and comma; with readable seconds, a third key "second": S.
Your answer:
{"hour": 7, "minute": 28, "second": 58}
